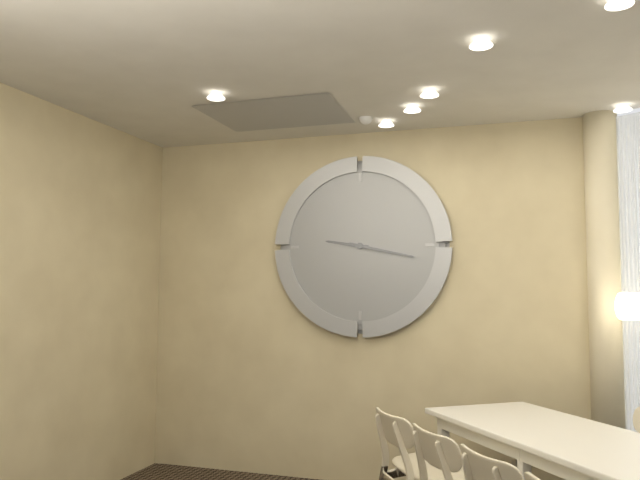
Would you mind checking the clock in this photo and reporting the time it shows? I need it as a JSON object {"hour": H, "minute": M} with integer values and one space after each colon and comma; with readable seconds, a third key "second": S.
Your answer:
{"hour": 9, "minute": 17}
